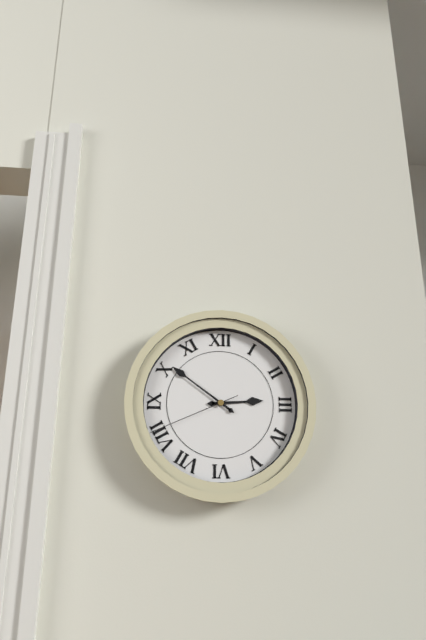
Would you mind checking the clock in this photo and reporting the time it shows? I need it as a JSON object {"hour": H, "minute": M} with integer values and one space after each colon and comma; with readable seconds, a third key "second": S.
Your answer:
{"hour": 2, "minute": 51, "second": 41}
